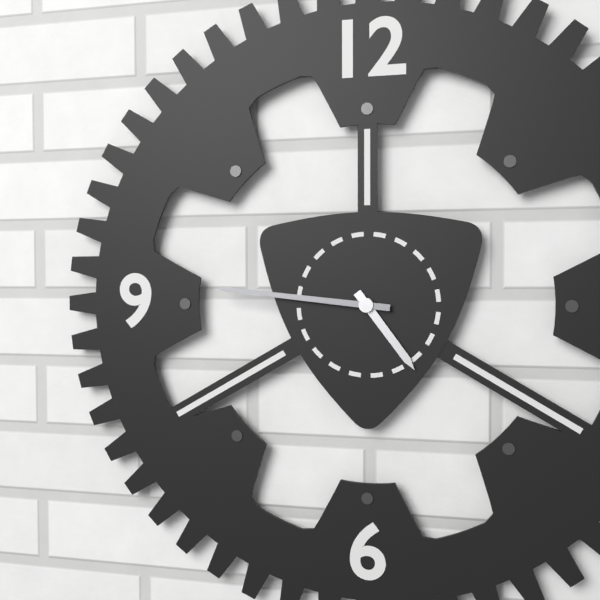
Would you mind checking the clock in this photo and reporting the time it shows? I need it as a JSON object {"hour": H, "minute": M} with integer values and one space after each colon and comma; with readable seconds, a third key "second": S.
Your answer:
{"hour": 4, "minute": 46}
